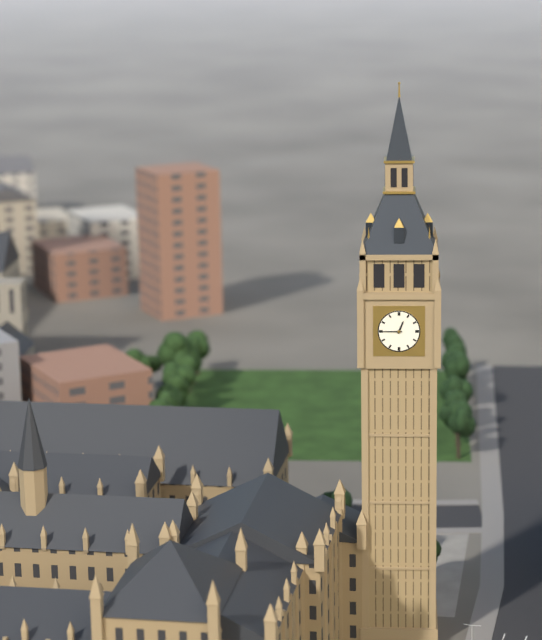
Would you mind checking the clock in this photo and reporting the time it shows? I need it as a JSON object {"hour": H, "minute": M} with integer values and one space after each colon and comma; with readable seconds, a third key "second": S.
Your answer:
{"hour": 12, "minute": 45}
